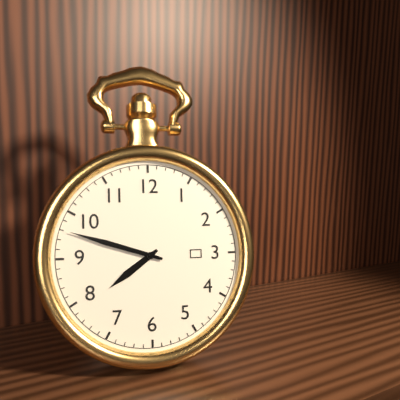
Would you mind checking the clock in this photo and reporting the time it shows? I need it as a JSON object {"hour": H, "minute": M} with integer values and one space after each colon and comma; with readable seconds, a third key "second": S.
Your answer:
{"hour": 7, "minute": 48}
